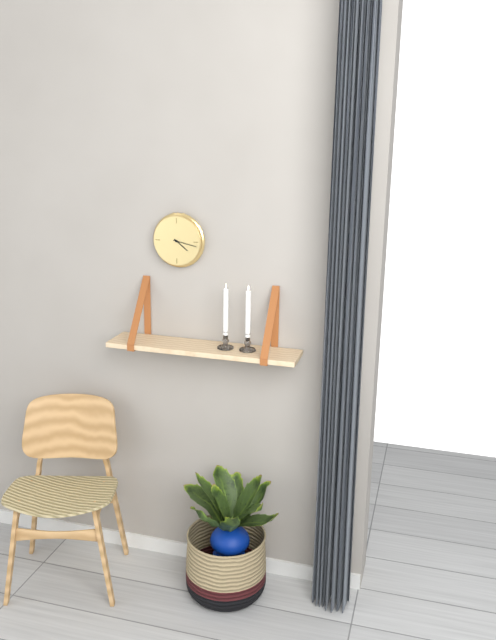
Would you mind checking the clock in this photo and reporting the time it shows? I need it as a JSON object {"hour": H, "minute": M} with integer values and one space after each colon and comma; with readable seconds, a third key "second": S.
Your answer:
{"hour": 4, "minute": 17}
